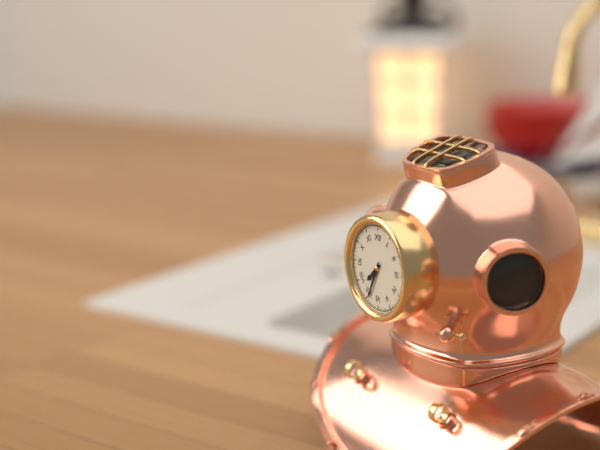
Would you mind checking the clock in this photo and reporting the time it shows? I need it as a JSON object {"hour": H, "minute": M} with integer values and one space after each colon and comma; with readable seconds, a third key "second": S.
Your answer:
{"hour": 7, "minute": 34}
